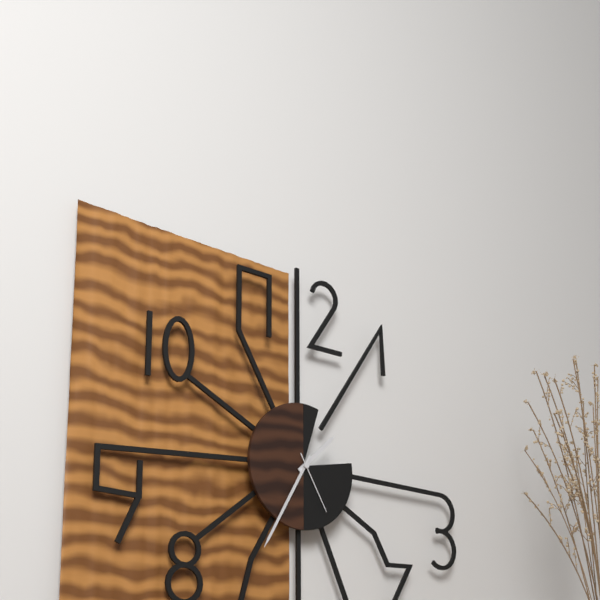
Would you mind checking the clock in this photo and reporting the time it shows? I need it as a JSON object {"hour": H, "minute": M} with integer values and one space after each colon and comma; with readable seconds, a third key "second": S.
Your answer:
{"hour": 1, "minute": 35, "second": 25}
